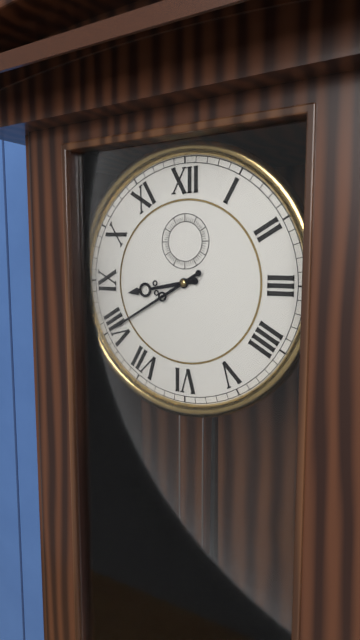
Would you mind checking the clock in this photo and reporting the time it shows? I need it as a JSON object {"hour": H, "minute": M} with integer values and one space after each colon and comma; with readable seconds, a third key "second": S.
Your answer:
{"hour": 8, "minute": 40}
